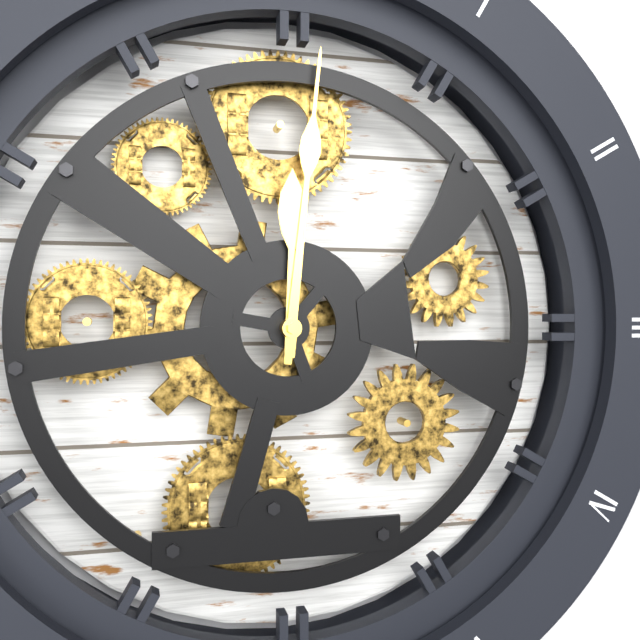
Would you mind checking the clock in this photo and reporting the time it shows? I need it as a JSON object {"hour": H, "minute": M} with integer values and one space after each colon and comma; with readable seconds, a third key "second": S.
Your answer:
{"hour": 12, "minute": 1}
